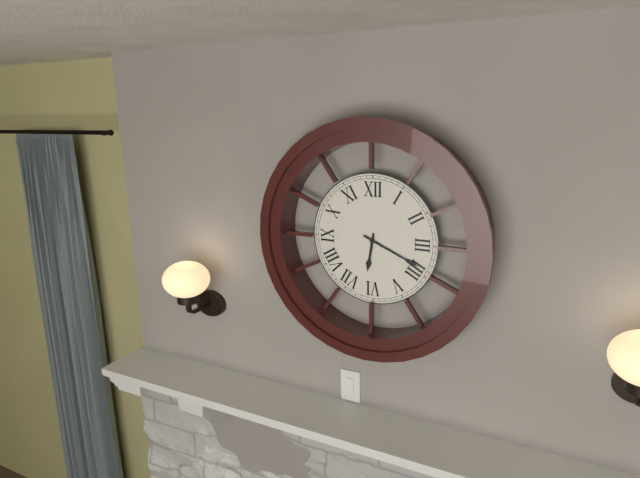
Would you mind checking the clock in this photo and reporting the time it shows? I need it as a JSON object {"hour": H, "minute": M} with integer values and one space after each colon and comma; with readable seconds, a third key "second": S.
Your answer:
{"hour": 6, "minute": 19}
